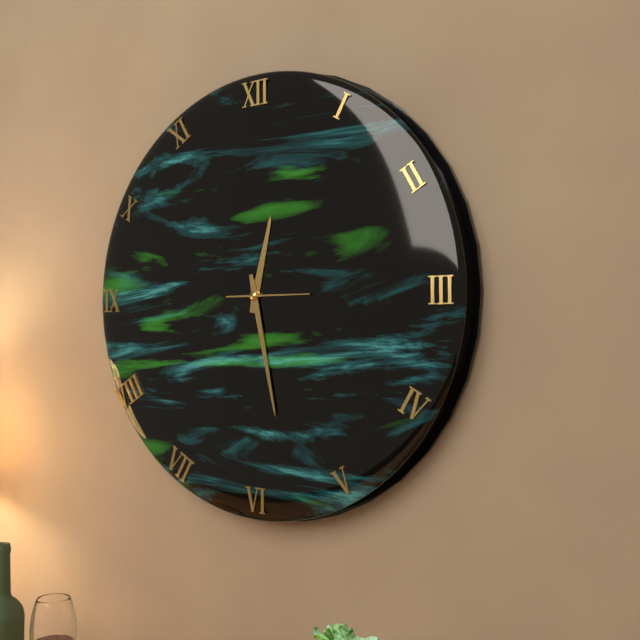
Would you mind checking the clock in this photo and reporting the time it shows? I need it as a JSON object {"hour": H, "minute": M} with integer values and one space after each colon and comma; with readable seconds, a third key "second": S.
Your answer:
{"hour": 12, "minute": 28, "second": 15}
